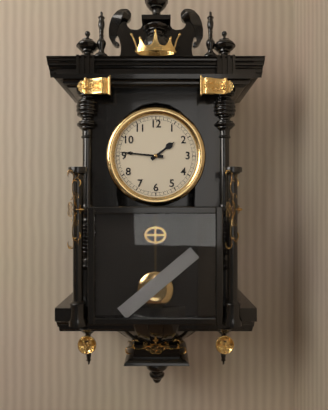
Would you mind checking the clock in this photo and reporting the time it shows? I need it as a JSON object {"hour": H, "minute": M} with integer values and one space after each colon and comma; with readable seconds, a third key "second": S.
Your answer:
{"hour": 1, "minute": 46}
